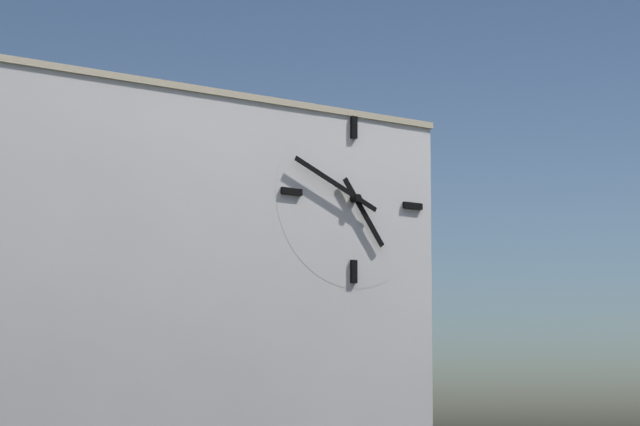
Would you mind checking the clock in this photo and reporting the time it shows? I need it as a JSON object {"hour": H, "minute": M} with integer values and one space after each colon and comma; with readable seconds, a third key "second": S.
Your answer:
{"hour": 4, "minute": 49}
